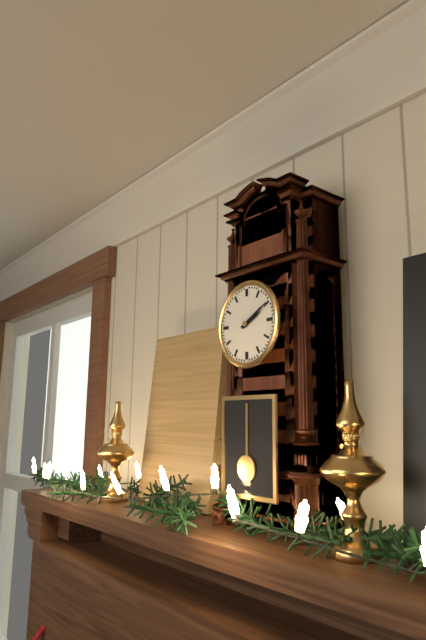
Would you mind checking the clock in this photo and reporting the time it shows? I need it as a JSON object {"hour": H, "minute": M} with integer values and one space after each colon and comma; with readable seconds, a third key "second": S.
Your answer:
{"hour": 2, "minute": 10}
